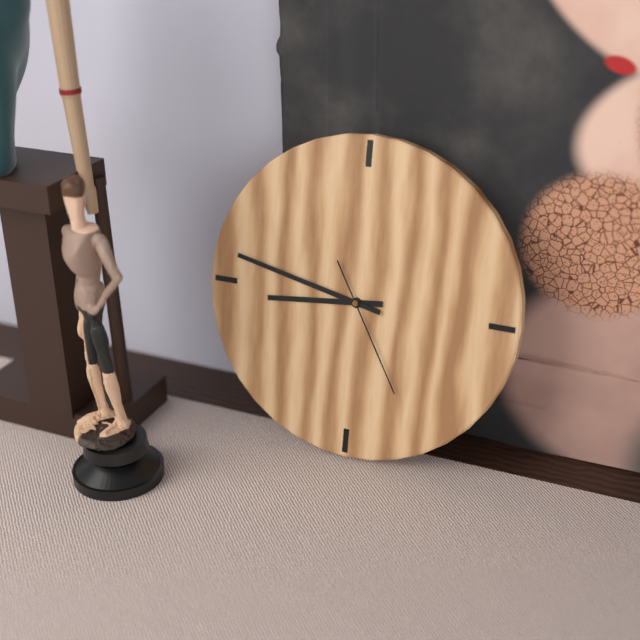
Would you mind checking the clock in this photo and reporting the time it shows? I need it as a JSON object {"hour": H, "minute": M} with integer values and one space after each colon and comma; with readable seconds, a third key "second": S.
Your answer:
{"hour": 8, "minute": 47, "second": 25}
